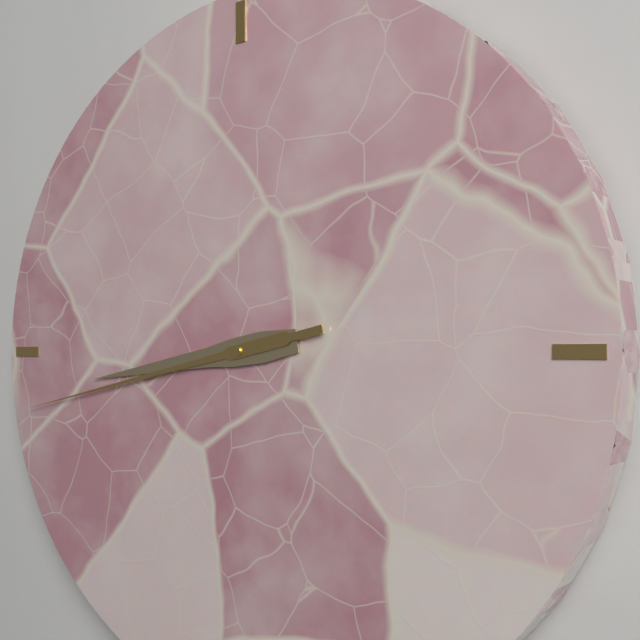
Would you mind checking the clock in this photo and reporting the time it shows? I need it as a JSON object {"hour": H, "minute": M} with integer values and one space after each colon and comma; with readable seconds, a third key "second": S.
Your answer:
{"hour": 8, "minute": 43}
